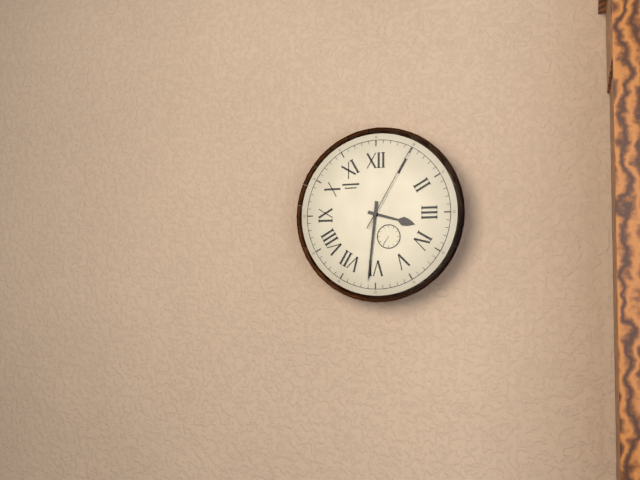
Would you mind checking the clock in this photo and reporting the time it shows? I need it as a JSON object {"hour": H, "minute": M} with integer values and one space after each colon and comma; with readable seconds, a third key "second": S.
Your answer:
{"hour": 3, "minute": 31, "second": 5}
